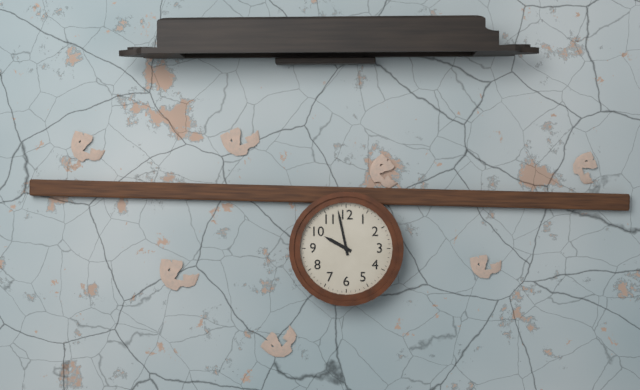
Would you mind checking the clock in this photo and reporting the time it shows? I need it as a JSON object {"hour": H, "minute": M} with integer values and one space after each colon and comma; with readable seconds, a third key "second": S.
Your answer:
{"hour": 9, "minute": 58}
